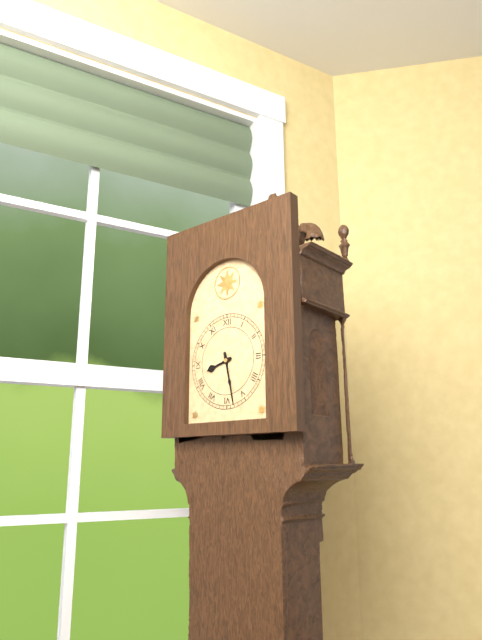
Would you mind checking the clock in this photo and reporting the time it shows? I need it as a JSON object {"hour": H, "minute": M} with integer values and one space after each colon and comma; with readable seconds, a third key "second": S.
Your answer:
{"hour": 8, "minute": 28}
